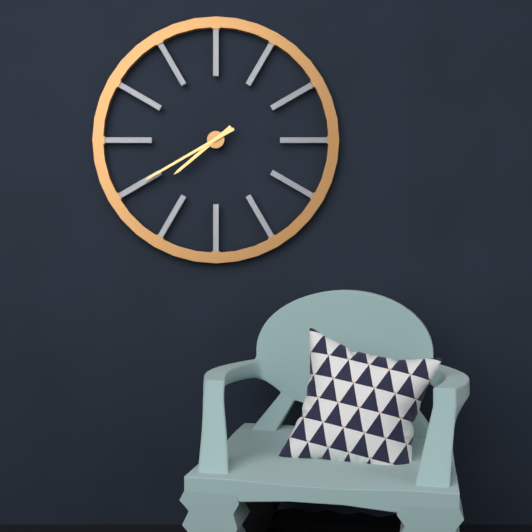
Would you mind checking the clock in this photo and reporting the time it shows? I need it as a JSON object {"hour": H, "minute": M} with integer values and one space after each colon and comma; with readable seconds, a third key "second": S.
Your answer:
{"hour": 7, "minute": 40}
